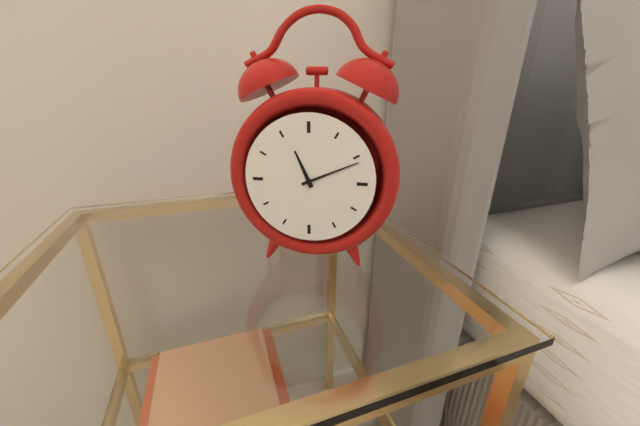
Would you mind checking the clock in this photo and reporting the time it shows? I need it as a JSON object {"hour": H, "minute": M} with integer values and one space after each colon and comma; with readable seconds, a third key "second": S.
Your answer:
{"hour": 11, "minute": 11}
